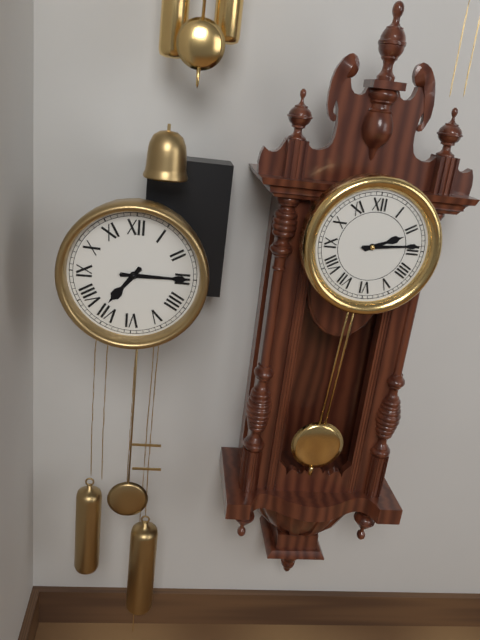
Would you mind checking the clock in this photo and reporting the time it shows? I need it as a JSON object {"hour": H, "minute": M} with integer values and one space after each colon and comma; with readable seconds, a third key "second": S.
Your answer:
{"hour": 7, "minute": 15}
